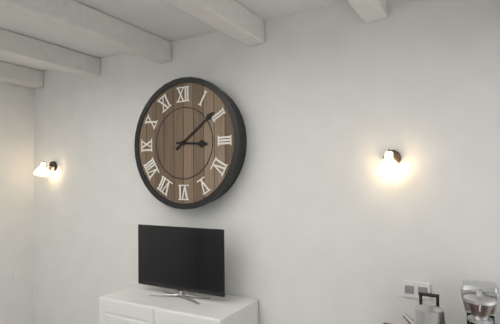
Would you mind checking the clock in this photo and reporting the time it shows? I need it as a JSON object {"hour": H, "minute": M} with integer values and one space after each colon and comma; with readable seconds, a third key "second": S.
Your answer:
{"hour": 3, "minute": 9}
